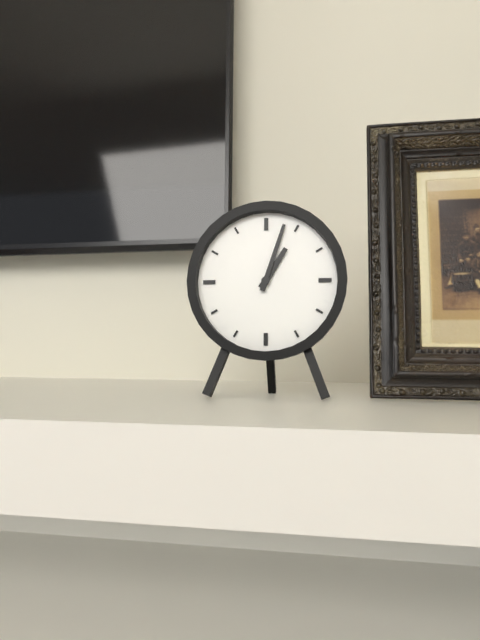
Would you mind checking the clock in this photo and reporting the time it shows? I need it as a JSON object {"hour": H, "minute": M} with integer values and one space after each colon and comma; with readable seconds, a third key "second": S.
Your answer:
{"hour": 1, "minute": 3}
